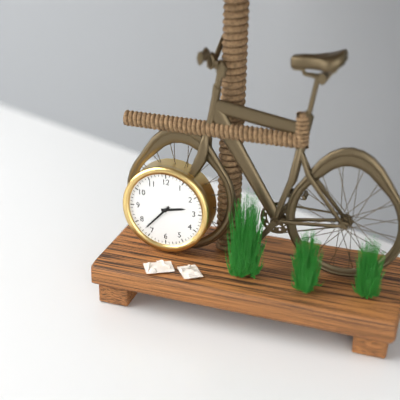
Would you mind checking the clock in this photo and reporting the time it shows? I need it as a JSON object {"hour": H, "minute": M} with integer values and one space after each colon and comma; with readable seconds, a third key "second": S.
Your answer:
{"hour": 2, "minute": 37}
